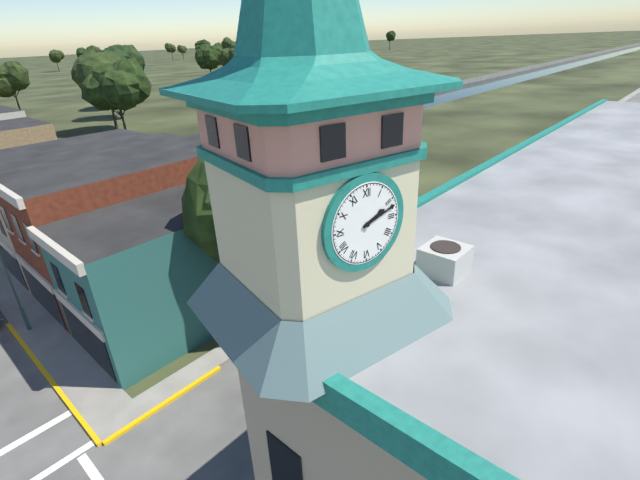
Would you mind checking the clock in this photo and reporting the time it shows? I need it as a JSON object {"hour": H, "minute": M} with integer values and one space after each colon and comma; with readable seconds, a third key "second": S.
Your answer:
{"hour": 2, "minute": 12}
